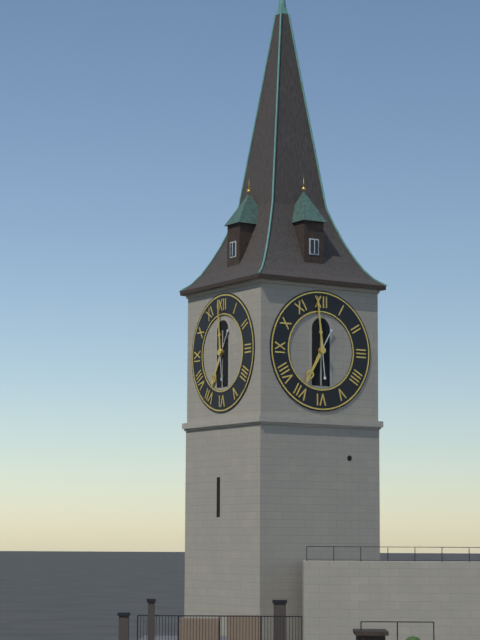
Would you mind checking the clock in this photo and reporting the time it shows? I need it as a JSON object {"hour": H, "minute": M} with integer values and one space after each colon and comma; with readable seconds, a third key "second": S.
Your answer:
{"hour": 6, "minute": 59}
